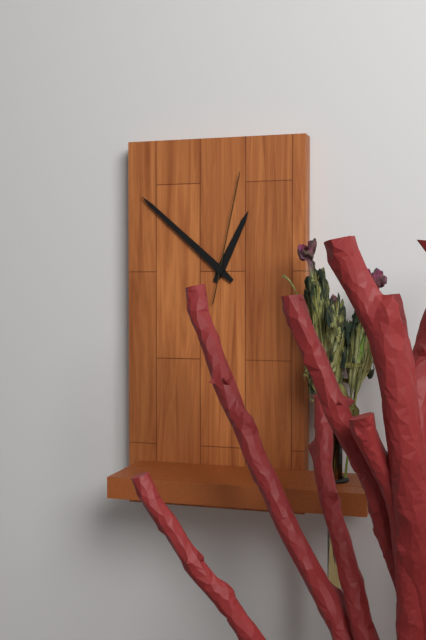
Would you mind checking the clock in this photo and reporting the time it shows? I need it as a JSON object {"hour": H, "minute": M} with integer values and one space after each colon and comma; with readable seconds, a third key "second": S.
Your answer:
{"hour": 12, "minute": 52, "second": 2}
